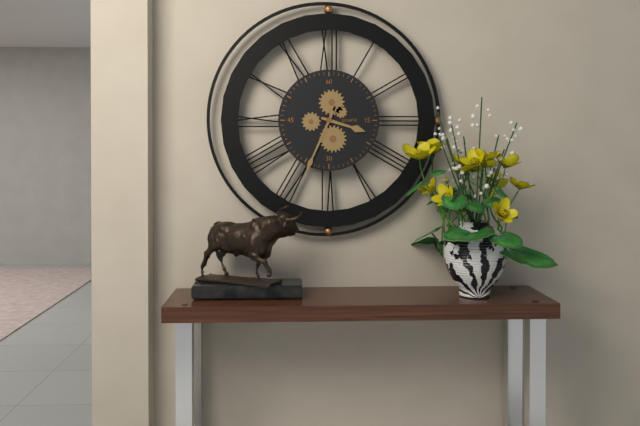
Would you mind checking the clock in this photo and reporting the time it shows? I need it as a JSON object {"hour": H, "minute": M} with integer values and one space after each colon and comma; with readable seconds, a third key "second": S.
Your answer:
{"hour": 3, "minute": 34}
